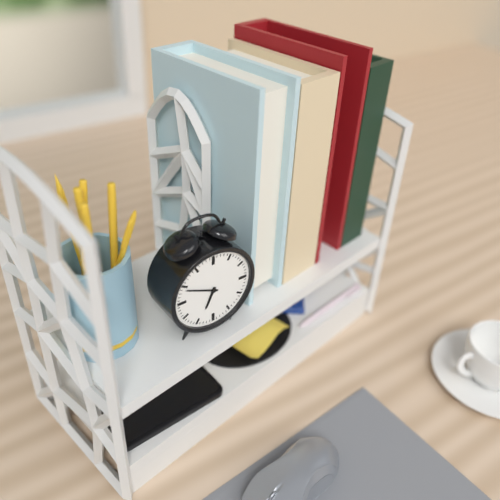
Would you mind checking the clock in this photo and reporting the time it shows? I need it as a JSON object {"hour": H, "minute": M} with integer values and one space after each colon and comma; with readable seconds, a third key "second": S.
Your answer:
{"hour": 6, "minute": 49}
